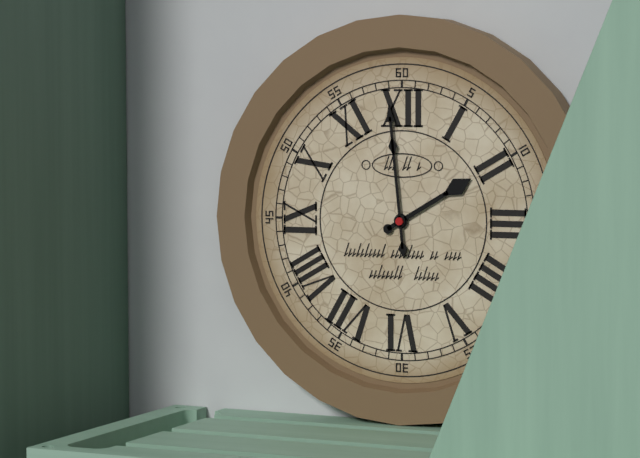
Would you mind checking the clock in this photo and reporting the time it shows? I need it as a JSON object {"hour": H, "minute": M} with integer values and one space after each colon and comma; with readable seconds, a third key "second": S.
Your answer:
{"hour": 1, "minute": 59}
